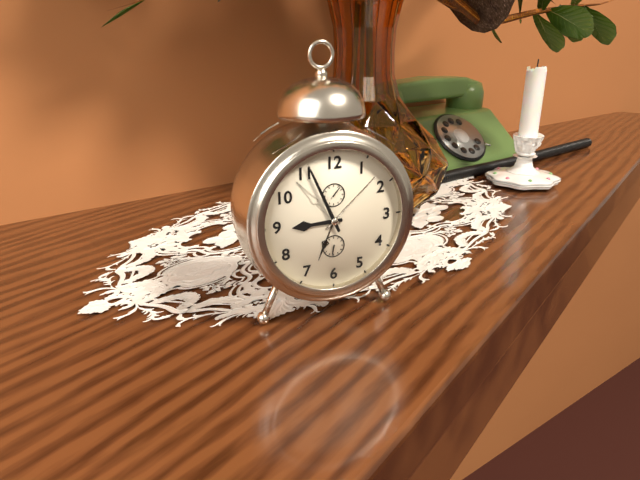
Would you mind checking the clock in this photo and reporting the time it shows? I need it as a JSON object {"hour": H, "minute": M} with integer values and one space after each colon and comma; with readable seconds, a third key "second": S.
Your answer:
{"hour": 8, "minute": 56}
